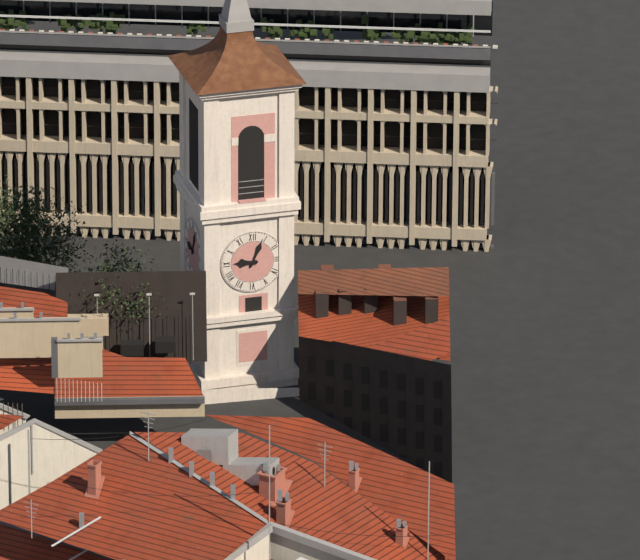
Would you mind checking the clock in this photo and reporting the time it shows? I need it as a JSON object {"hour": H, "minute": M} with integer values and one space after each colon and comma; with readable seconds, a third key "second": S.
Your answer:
{"hour": 9, "minute": 4}
